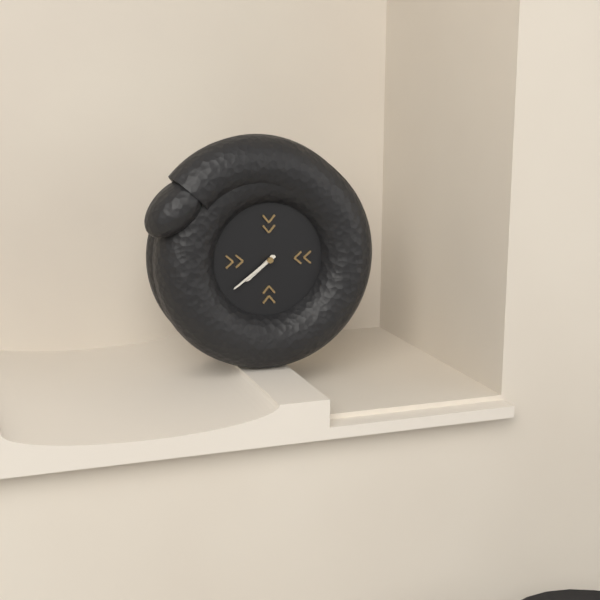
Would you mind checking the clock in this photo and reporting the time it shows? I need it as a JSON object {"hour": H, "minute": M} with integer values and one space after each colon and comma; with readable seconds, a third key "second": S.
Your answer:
{"hour": 7, "minute": 39}
